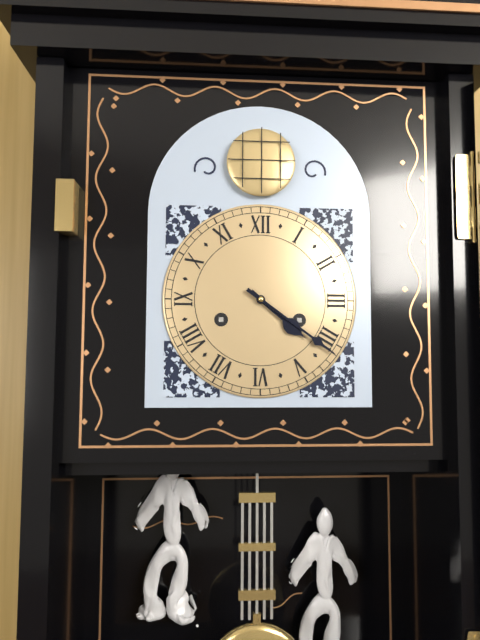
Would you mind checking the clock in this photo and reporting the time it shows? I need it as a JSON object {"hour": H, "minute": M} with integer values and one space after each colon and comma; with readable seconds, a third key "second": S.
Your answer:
{"hour": 4, "minute": 21}
